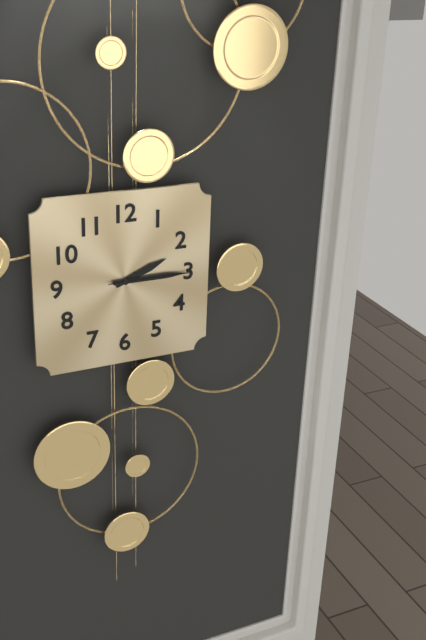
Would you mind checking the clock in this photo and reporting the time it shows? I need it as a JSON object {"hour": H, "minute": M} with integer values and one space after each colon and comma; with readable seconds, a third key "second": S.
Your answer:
{"hour": 2, "minute": 15, "second": 15}
